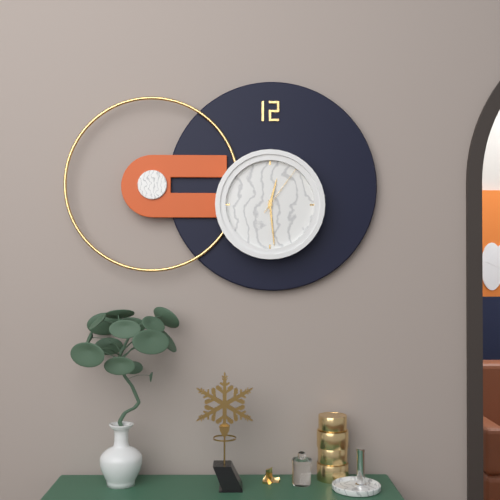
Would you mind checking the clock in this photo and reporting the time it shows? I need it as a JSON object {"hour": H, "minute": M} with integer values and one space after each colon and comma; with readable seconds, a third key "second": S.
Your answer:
{"hour": 12, "minute": 29, "second": 6}
